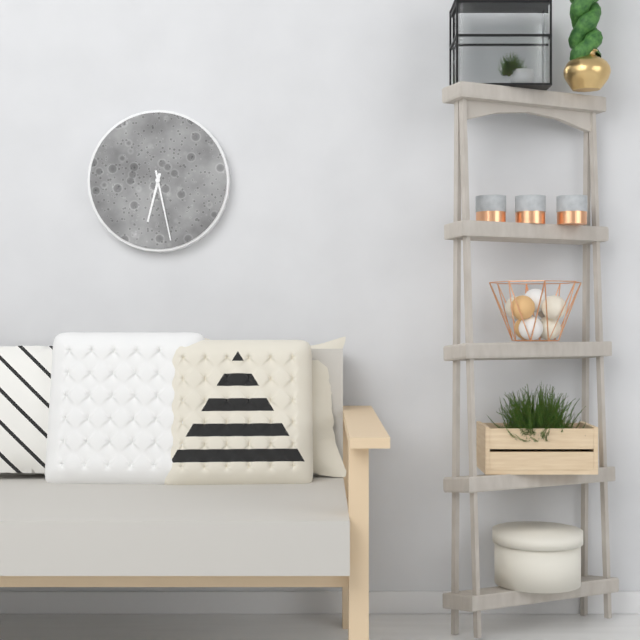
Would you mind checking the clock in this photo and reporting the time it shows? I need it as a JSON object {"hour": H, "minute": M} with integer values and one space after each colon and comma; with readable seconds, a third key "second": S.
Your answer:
{"hour": 6, "minute": 28}
